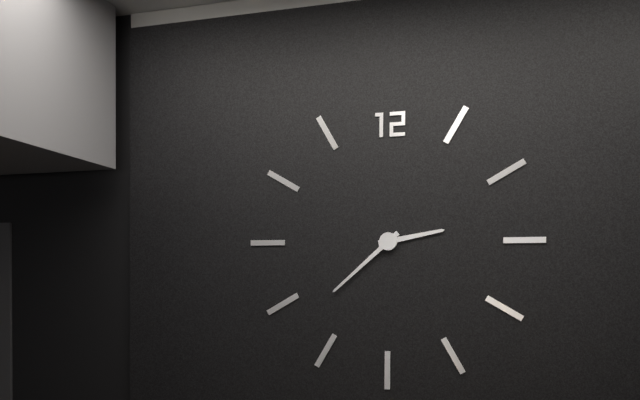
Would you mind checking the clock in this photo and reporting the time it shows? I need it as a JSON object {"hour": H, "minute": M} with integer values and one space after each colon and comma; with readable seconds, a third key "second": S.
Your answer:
{"hour": 2, "minute": 38}
